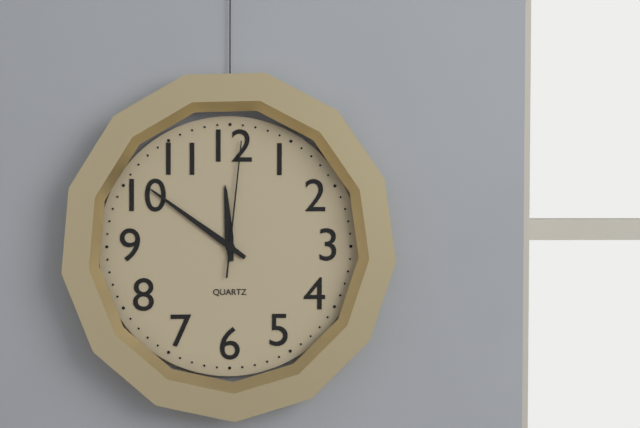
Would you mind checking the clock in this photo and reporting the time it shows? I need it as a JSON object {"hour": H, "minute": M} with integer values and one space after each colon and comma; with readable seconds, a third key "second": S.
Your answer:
{"hour": 11, "minute": 51, "second": 1}
